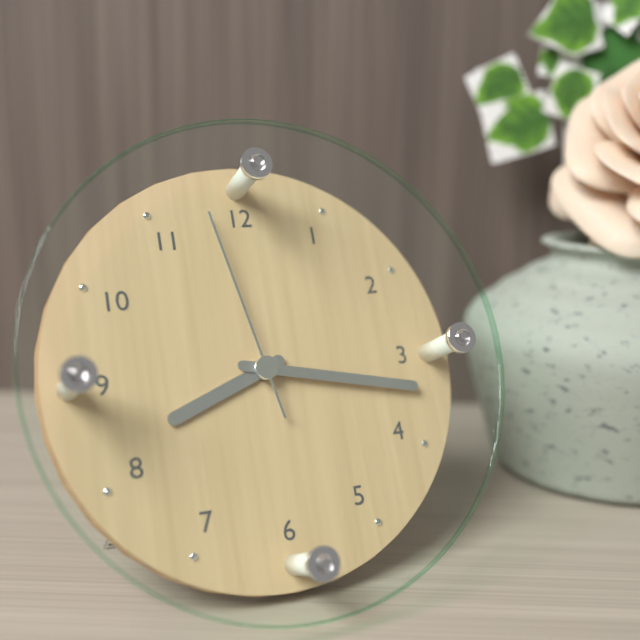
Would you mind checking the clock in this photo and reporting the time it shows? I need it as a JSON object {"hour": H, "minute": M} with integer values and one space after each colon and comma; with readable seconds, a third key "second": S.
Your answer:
{"hour": 8, "minute": 17, "second": 58}
